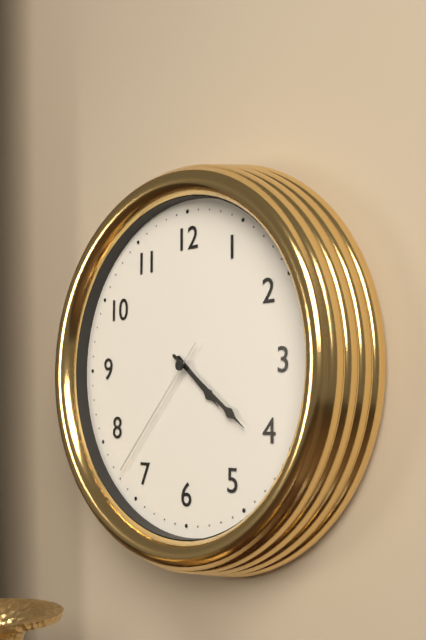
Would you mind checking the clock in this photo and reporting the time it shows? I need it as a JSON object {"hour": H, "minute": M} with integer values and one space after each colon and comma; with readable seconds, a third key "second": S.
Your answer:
{"hour": 4, "minute": 21, "second": 37}
